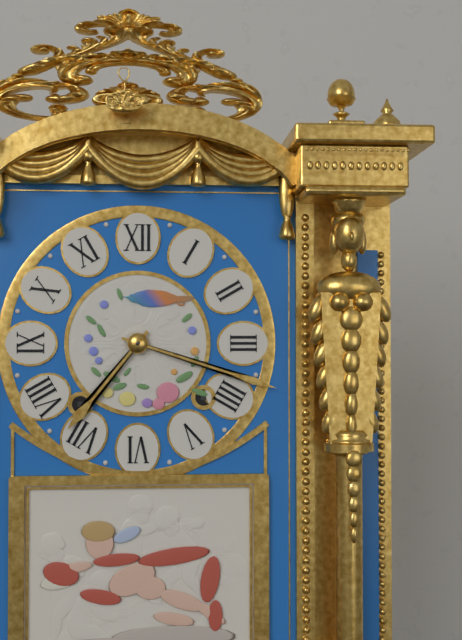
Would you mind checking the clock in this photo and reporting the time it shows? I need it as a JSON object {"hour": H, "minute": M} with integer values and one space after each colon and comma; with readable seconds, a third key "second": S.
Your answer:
{"hour": 7, "minute": 18}
